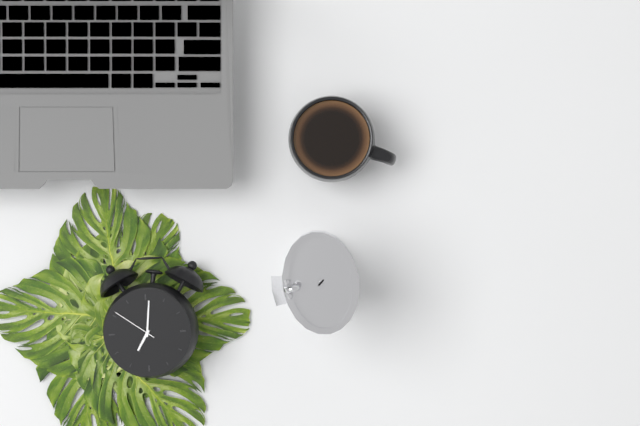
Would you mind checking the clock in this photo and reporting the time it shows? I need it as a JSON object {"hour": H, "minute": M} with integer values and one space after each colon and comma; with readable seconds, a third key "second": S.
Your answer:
{"hour": 7, "minute": 1}
